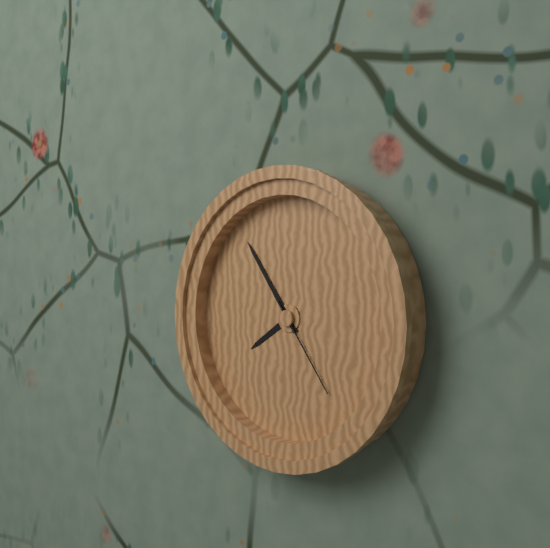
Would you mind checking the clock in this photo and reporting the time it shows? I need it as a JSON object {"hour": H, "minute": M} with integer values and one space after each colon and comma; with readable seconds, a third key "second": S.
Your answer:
{"hour": 7, "minute": 54, "second": 24}
